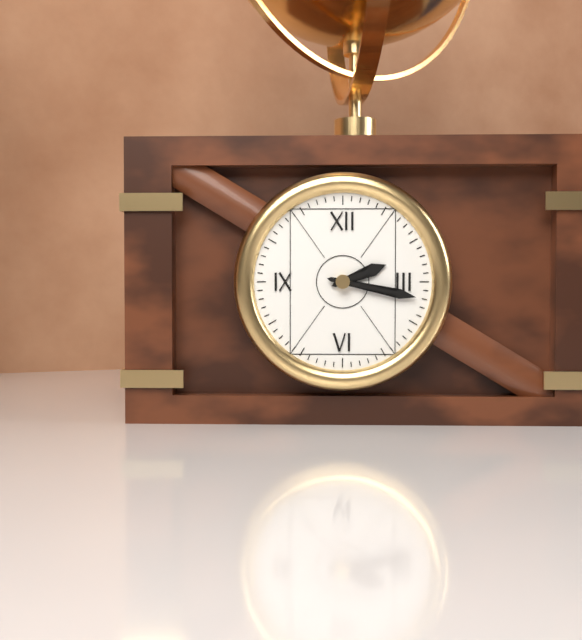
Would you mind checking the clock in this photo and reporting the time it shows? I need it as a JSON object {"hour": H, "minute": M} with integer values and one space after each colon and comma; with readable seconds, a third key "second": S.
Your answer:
{"hour": 2, "minute": 17}
